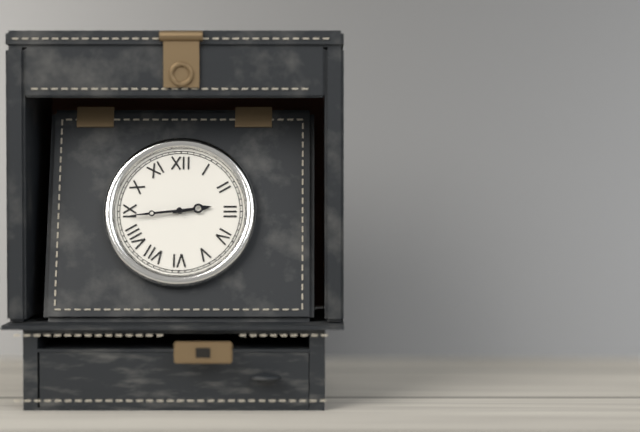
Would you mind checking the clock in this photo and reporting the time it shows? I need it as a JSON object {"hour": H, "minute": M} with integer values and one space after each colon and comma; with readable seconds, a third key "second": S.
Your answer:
{"hour": 2, "minute": 44}
